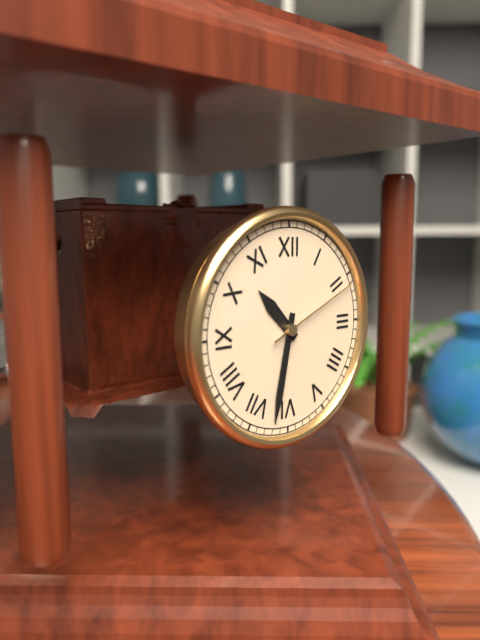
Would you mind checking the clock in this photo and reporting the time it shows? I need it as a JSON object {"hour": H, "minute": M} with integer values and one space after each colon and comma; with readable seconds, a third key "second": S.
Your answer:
{"hour": 10, "minute": 32, "second": 11}
